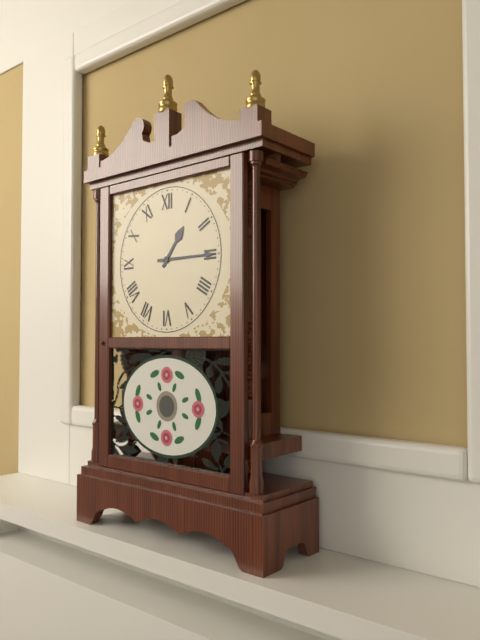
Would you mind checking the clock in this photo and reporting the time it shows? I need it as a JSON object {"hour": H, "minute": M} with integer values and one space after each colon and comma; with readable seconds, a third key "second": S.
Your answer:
{"hour": 1, "minute": 15}
